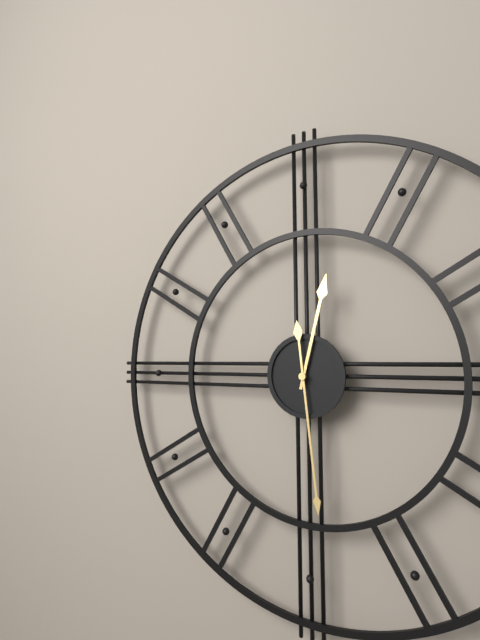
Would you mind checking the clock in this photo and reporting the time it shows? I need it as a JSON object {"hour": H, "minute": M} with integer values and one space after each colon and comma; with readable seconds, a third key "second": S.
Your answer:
{"hour": 12, "minute": 29}
